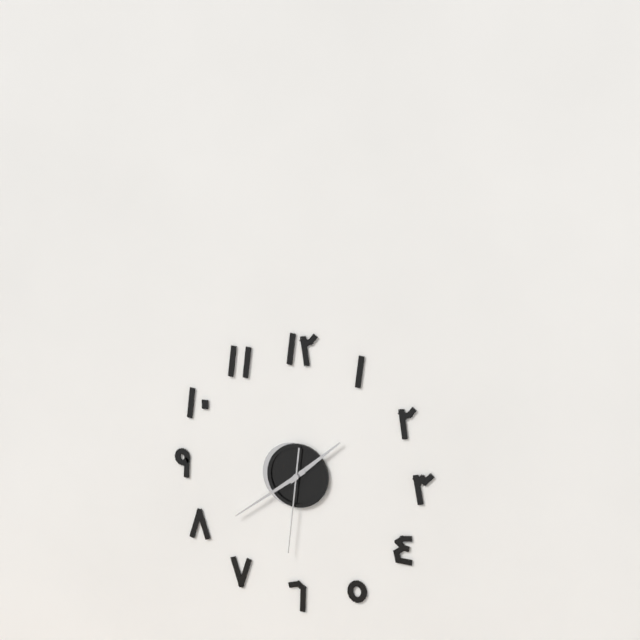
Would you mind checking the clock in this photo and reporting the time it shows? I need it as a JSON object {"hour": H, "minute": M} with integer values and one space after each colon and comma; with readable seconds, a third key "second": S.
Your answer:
{"hour": 1, "minute": 39, "second": 31}
